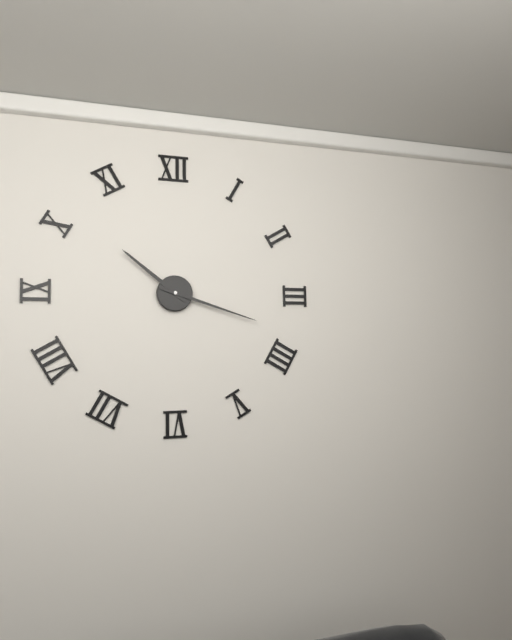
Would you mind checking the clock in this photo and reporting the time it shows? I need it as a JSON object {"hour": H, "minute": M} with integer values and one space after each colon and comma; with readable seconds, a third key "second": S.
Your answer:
{"hour": 10, "minute": 18}
